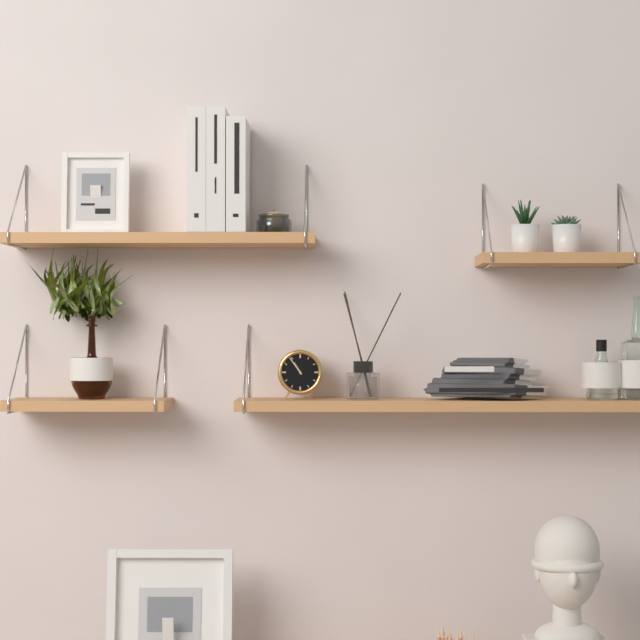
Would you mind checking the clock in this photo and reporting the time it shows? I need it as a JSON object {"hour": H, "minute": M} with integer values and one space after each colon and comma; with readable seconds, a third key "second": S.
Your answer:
{"hour": 10, "minute": 54}
